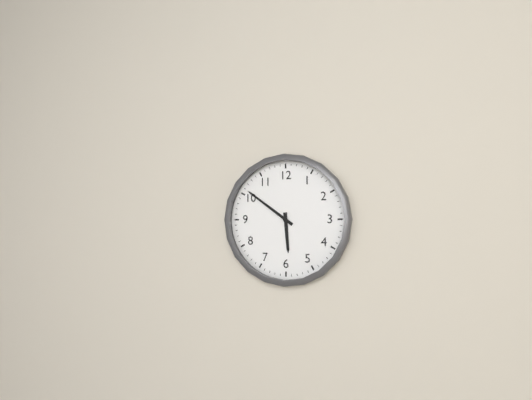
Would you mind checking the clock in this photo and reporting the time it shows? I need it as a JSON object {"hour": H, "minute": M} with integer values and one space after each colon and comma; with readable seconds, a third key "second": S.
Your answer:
{"hour": 5, "minute": 51}
